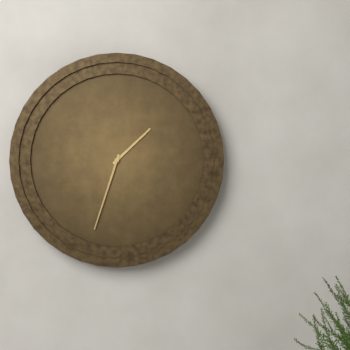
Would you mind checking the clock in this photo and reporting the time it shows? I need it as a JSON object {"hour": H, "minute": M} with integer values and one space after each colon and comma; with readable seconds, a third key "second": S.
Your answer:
{"hour": 1, "minute": 33}
